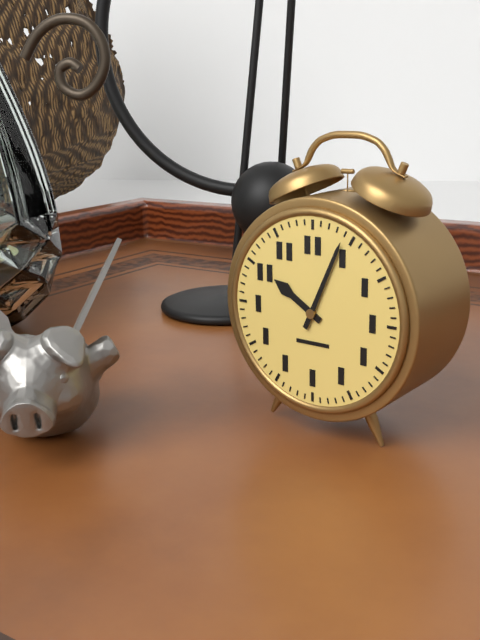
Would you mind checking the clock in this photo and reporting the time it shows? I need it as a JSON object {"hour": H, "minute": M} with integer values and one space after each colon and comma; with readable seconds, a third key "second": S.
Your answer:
{"hour": 10, "minute": 4}
